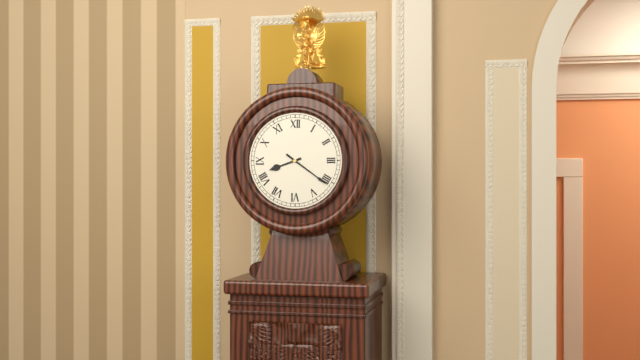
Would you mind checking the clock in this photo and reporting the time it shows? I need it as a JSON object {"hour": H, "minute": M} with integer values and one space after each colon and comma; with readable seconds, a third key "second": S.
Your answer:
{"hour": 8, "minute": 21}
